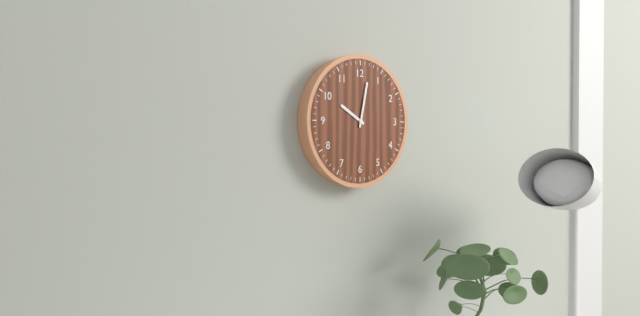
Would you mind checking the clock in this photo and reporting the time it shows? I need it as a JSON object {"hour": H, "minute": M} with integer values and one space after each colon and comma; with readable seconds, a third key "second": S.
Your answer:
{"hour": 10, "minute": 2}
